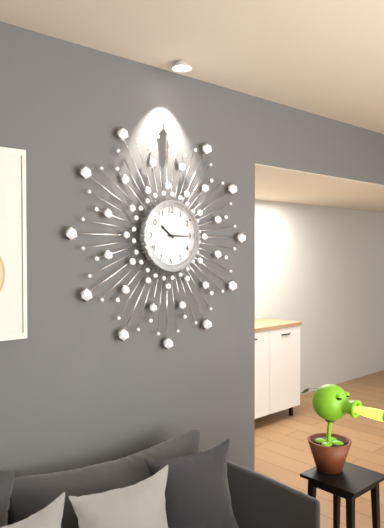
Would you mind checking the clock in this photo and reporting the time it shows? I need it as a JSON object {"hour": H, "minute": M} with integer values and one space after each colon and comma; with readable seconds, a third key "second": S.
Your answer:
{"hour": 10, "minute": 15}
